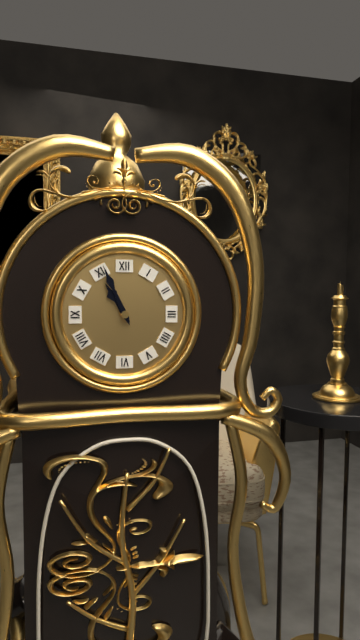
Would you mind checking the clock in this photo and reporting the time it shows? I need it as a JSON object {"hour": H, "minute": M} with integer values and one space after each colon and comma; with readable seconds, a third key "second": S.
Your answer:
{"hour": 10, "minute": 56}
